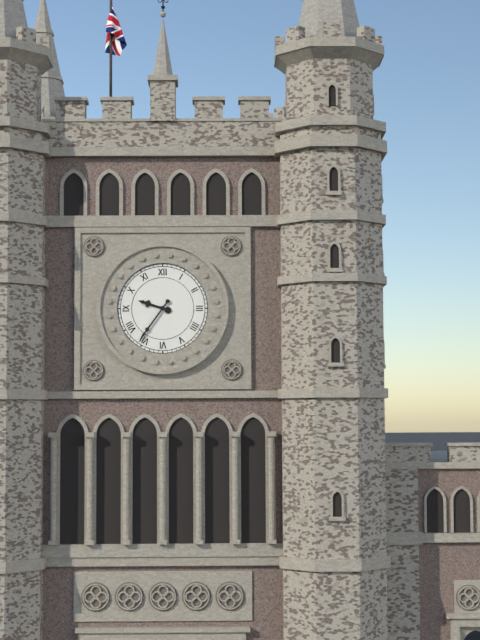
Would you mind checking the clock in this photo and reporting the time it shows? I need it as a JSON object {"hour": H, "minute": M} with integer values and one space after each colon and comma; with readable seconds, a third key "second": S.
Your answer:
{"hour": 9, "minute": 36}
